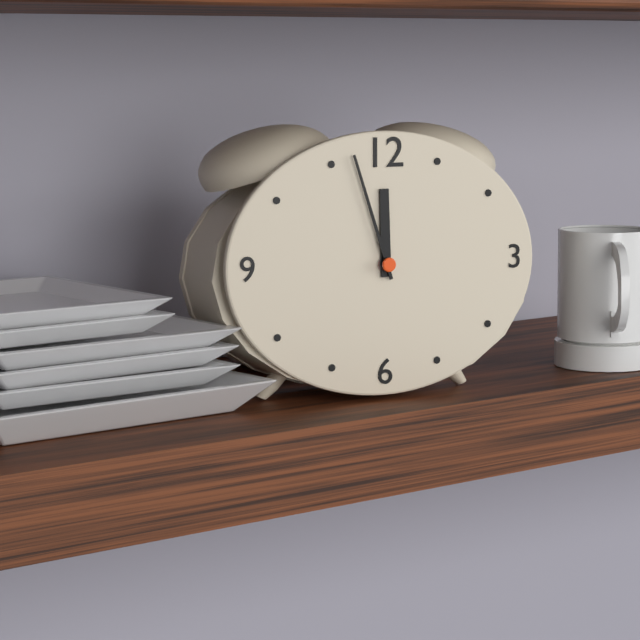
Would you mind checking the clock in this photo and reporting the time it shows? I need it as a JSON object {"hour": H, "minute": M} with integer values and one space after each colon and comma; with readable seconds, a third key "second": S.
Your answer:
{"hour": 11, "minute": 57}
